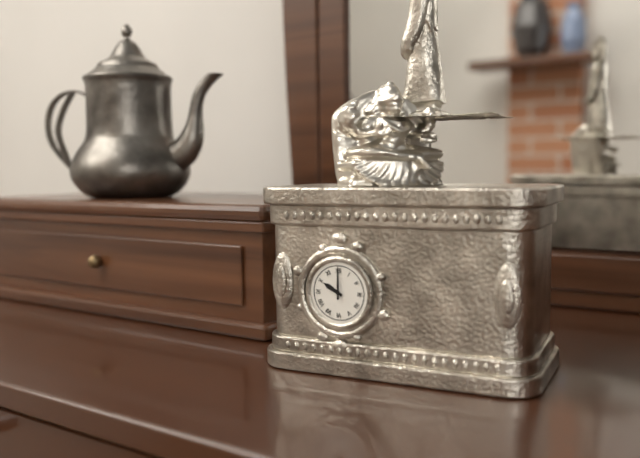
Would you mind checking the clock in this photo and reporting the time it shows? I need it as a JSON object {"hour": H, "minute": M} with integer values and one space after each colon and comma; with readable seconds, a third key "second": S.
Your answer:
{"hour": 10, "minute": 0}
